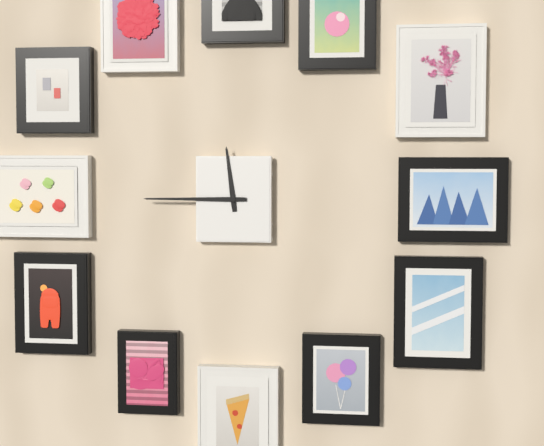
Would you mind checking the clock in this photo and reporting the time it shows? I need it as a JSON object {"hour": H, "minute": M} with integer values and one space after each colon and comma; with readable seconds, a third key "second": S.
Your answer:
{"hour": 11, "minute": 45}
